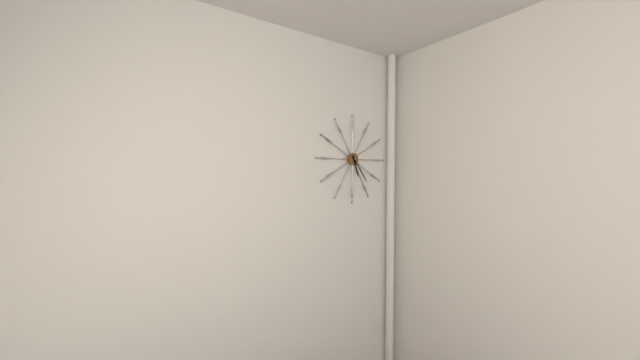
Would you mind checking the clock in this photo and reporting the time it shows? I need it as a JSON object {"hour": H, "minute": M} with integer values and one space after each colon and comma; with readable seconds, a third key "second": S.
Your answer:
{"hour": 5, "minute": 24}
